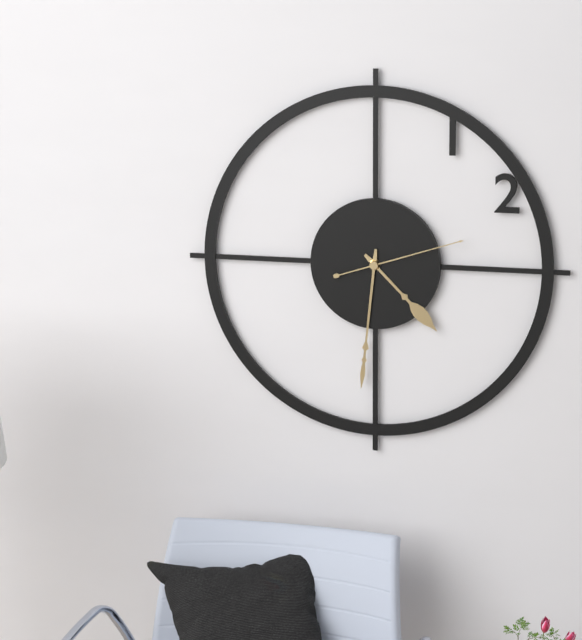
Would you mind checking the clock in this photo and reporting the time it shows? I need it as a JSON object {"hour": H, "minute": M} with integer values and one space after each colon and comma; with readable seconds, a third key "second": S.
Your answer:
{"hour": 4, "minute": 31, "second": 12}
